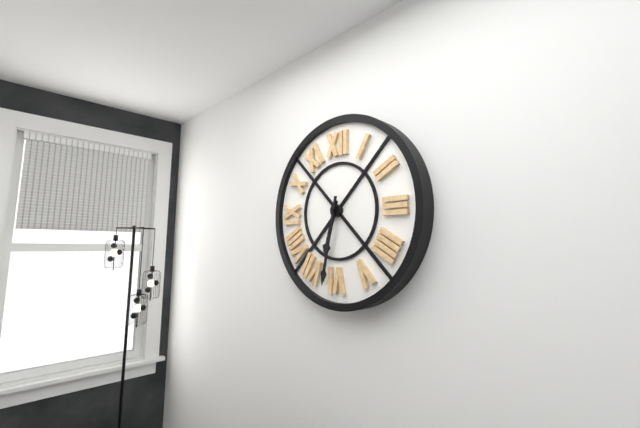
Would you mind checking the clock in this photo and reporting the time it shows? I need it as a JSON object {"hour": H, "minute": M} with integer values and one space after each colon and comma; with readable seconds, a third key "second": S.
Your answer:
{"hour": 6, "minute": 32}
